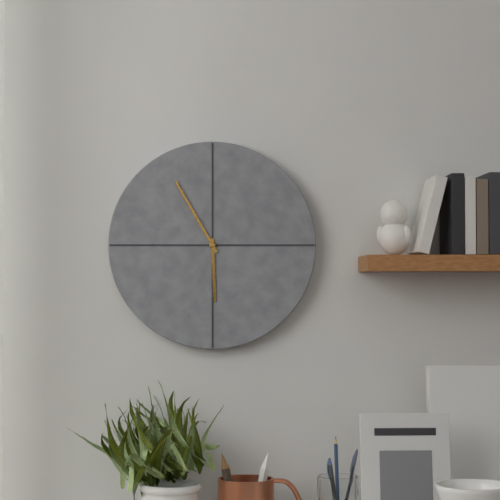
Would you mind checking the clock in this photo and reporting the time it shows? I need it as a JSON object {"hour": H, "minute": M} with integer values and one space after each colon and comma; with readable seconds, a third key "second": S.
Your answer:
{"hour": 5, "minute": 55}
